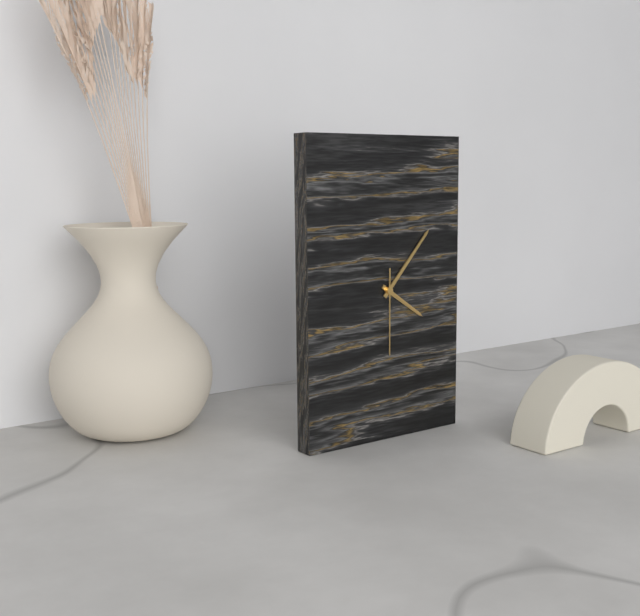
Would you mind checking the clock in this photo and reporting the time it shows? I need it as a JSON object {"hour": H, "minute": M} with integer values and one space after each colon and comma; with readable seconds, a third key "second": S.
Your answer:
{"hour": 4, "minute": 7, "second": 30}
